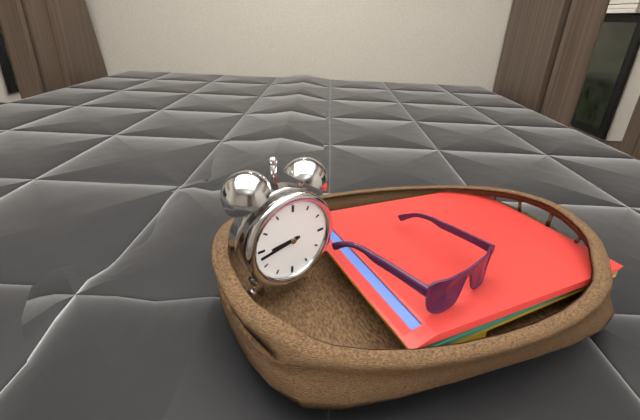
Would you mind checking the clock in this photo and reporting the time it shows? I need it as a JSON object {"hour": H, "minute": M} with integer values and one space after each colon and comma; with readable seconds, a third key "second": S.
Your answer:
{"hour": 8, "minute": 43}
